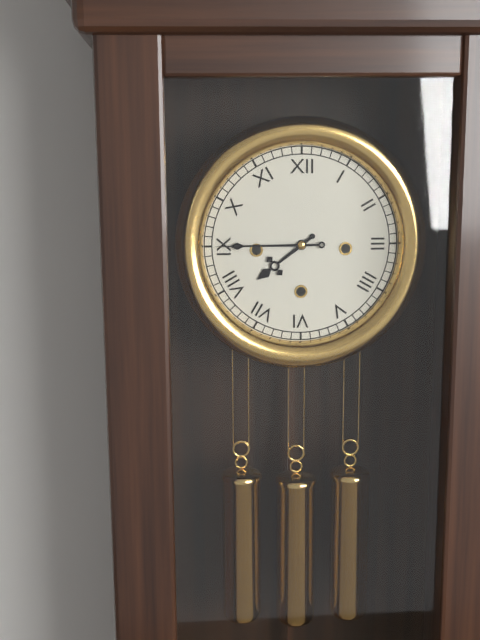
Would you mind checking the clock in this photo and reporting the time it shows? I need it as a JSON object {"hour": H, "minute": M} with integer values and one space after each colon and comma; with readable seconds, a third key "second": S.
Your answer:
{"hour": 7, "minute": 45}
